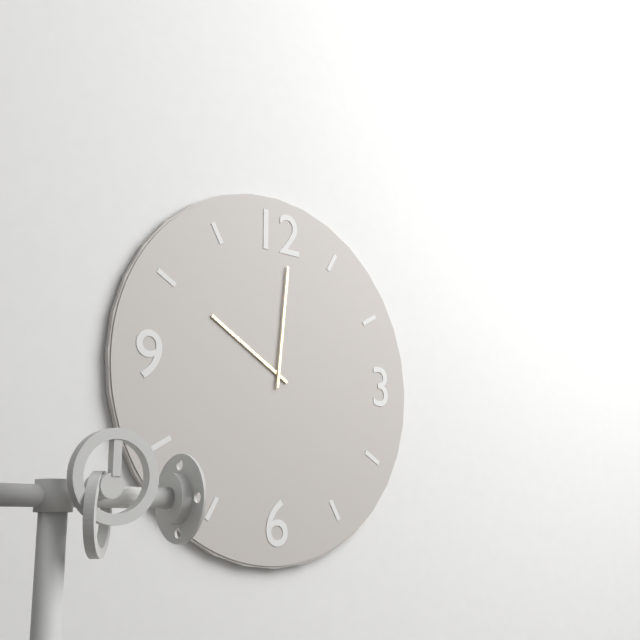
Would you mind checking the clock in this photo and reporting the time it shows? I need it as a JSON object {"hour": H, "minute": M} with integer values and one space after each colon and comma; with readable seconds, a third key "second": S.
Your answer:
{"hour": 10, "minute": 1}
